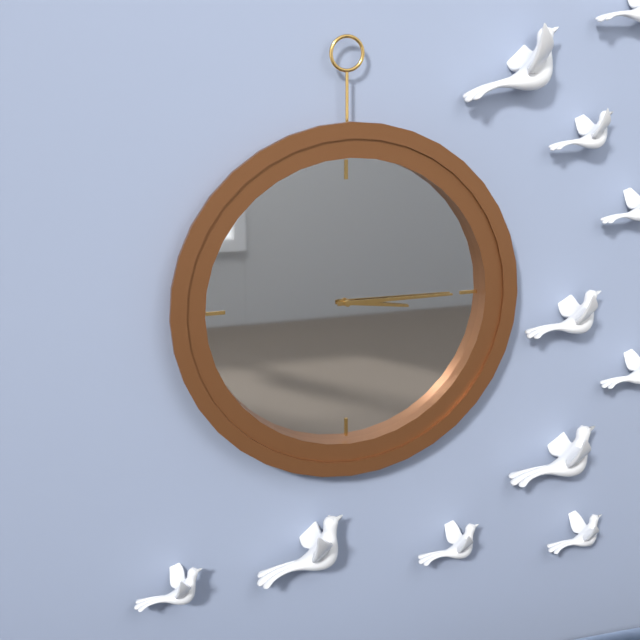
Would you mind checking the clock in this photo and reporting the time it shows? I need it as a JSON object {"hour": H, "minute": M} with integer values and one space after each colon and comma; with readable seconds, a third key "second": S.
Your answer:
{"hour": 3, "minute": 15}
